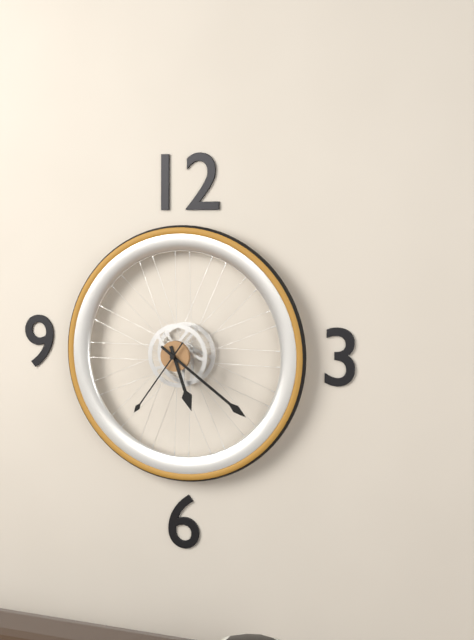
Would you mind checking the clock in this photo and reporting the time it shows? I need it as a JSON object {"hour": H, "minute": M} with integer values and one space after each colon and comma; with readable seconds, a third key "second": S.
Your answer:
{"hour": 5, "minute": 21, "second": 36}
